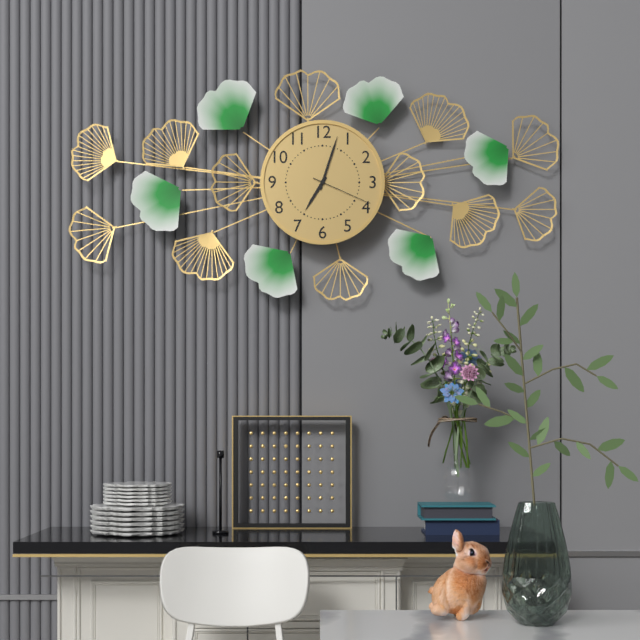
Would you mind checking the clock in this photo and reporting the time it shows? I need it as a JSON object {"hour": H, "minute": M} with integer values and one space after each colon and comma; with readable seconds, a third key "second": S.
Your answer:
{"hour": 7, "minute": 3, "second": 19}
